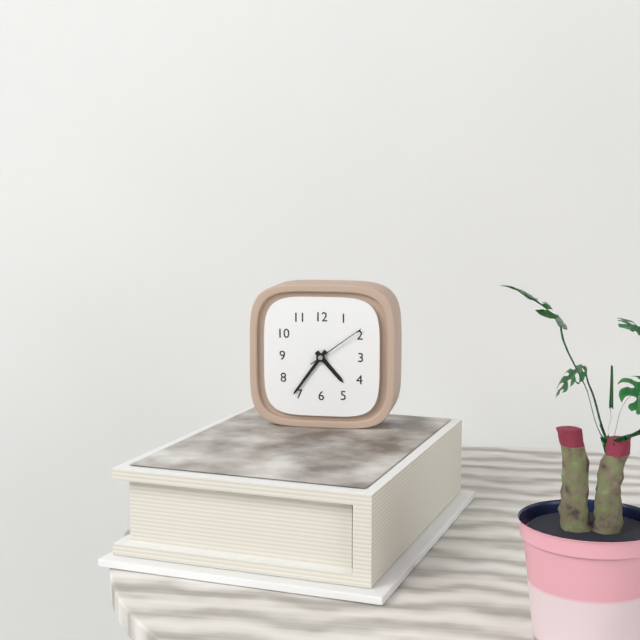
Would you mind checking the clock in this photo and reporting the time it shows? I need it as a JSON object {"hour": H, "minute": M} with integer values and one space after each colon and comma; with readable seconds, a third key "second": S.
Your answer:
{"hour": 4, "minute": 36, "second": 9}
